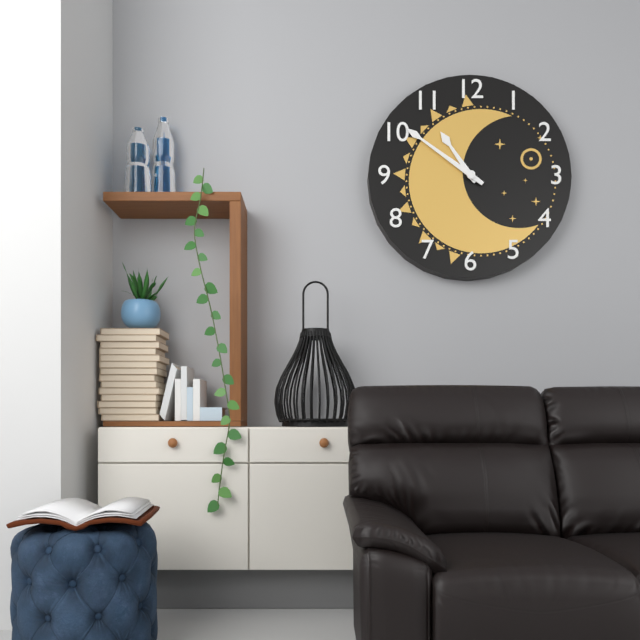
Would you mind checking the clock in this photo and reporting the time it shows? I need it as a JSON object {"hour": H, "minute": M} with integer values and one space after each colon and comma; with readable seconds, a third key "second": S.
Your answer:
{"hour": 10, "minute": 51}
